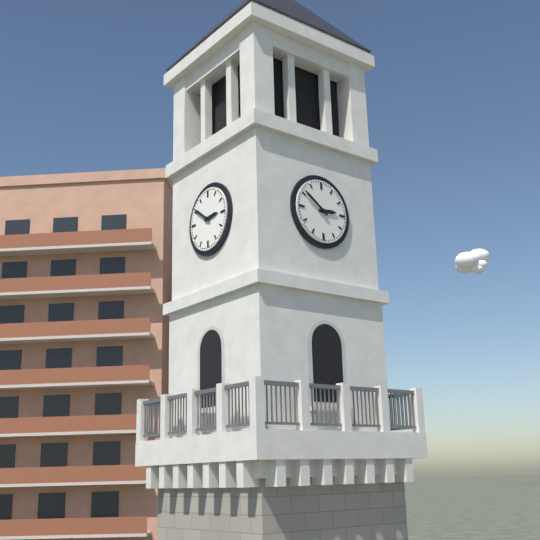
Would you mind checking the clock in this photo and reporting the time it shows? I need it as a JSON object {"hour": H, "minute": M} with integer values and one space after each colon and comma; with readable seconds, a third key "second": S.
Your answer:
{"hour": 2, "minute": 51}
